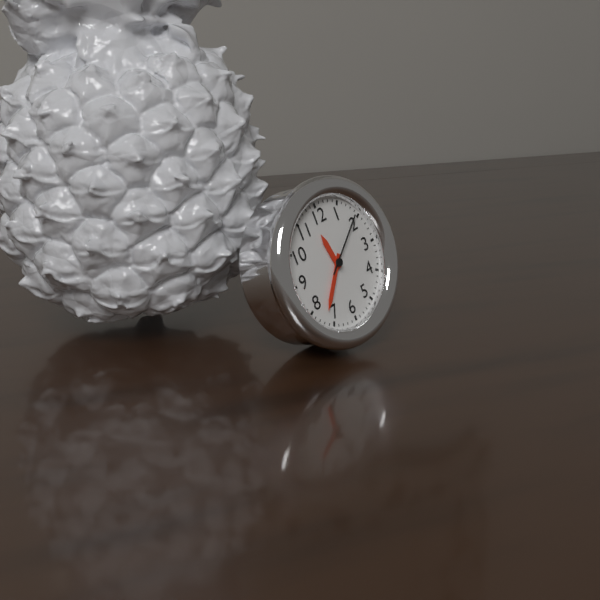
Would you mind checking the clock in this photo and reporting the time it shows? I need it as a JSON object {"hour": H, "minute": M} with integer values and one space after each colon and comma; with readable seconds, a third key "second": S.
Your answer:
{"hour": 11, "minute": 37, "second": 9}
